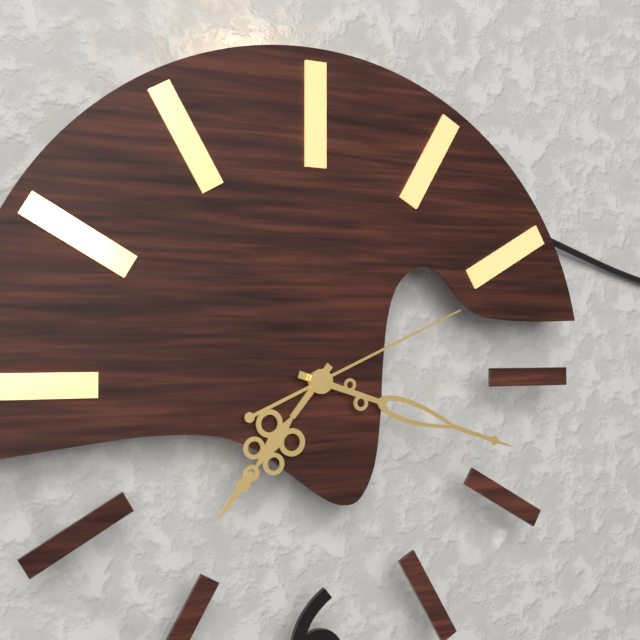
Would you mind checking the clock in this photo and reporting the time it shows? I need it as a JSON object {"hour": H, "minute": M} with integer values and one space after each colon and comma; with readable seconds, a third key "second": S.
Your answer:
{"hour": 7, "minute": 18, "second": 11}
